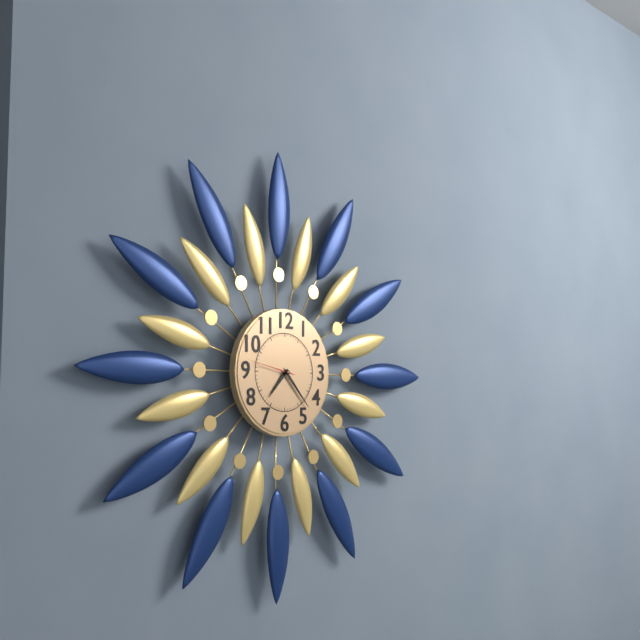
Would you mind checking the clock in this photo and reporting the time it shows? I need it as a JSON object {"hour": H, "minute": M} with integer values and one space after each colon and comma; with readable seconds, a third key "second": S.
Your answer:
{"hour": 7, "minute": 23, "second": 47}
